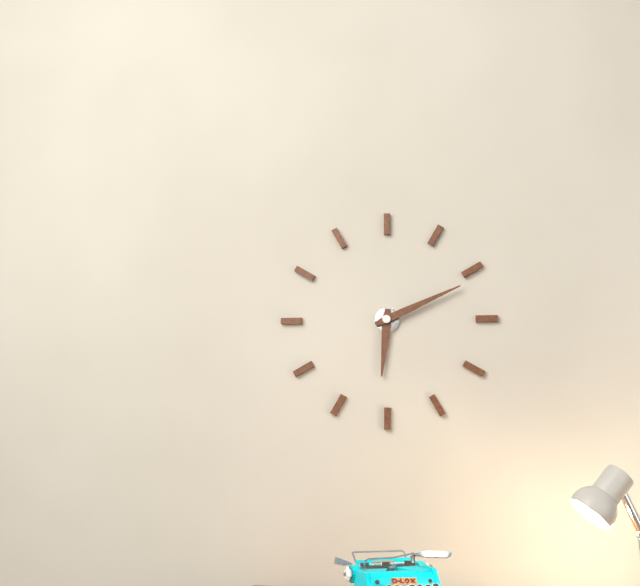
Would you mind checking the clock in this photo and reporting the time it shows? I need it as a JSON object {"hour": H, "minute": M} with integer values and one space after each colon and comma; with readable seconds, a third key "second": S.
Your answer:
{"hour": 6, "minute": 11}
